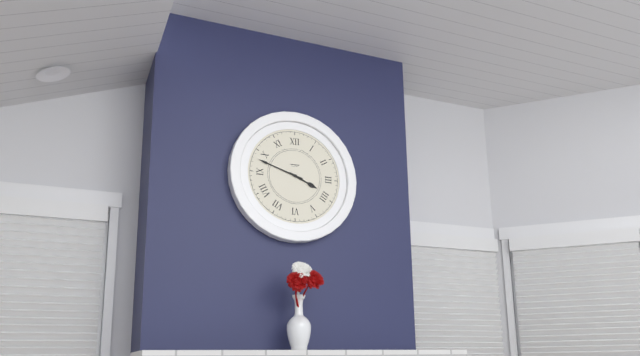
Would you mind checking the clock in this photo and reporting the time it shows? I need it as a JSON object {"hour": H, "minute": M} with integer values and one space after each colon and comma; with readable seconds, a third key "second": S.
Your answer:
{"hour": 3, "minute": 48}
